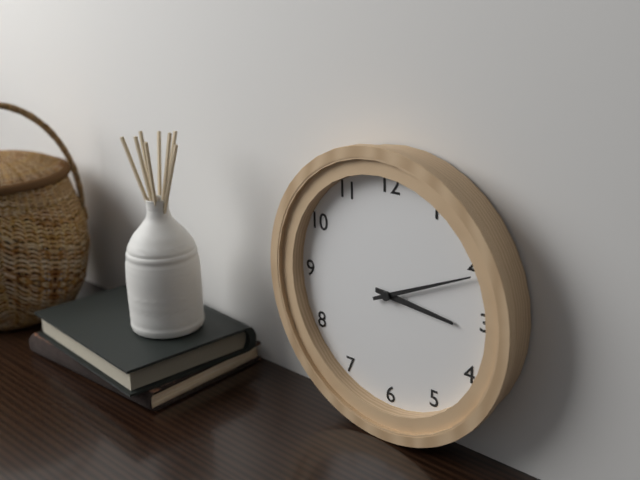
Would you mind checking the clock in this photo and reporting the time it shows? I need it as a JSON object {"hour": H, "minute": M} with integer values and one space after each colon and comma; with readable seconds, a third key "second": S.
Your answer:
{"hour": 3, "minute": 11}
